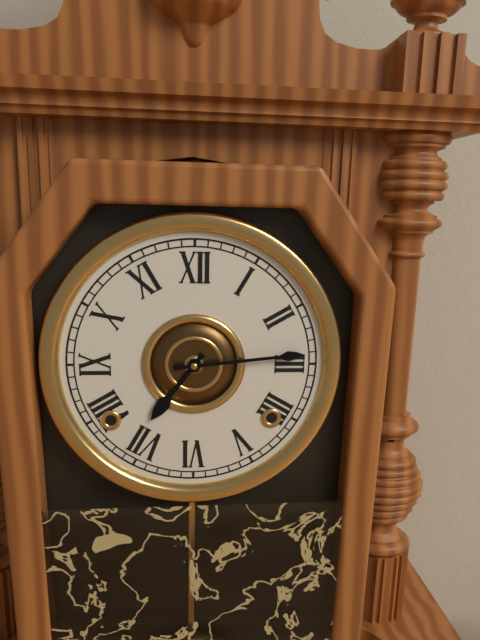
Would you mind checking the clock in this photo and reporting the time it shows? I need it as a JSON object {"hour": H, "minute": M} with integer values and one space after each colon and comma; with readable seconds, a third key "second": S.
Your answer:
{"hour": 7, "minute": 14}
